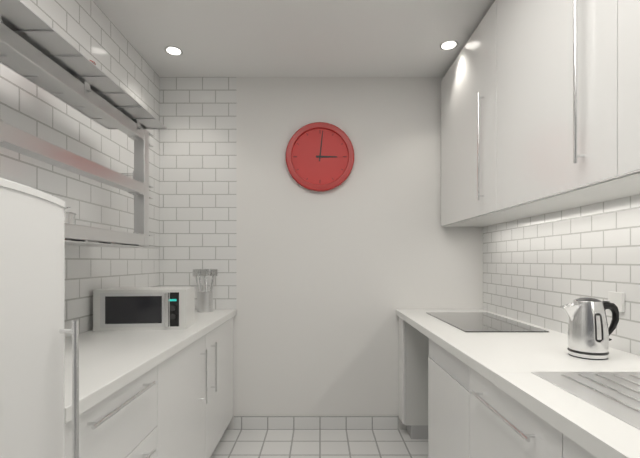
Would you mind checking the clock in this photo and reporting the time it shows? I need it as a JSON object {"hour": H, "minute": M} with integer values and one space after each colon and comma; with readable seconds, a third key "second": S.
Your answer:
{"hour": 3, "minute": 1}
